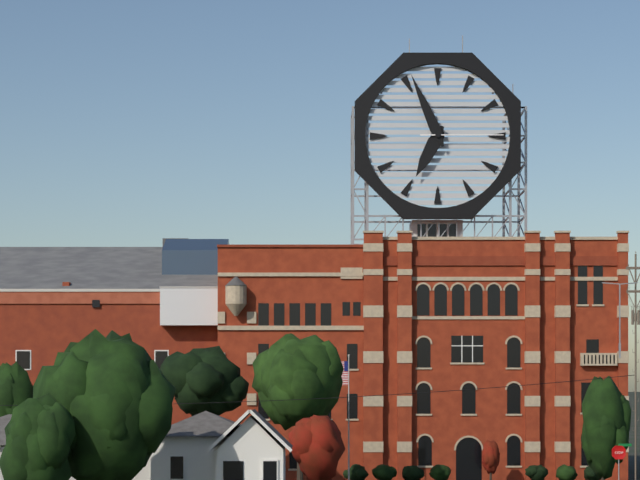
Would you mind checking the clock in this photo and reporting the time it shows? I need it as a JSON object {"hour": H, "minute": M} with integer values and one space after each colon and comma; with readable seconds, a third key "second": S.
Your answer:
{"hour": 6, "minute": 56, "second": 15}
